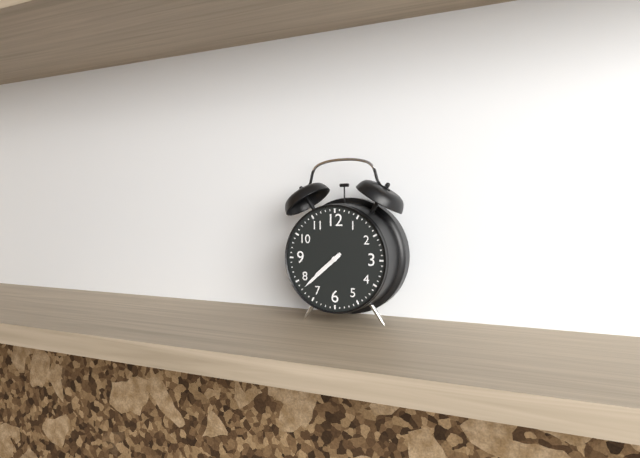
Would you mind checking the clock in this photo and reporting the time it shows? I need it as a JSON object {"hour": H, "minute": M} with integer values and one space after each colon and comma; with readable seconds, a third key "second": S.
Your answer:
{"hour": 7, "minute": 38}
